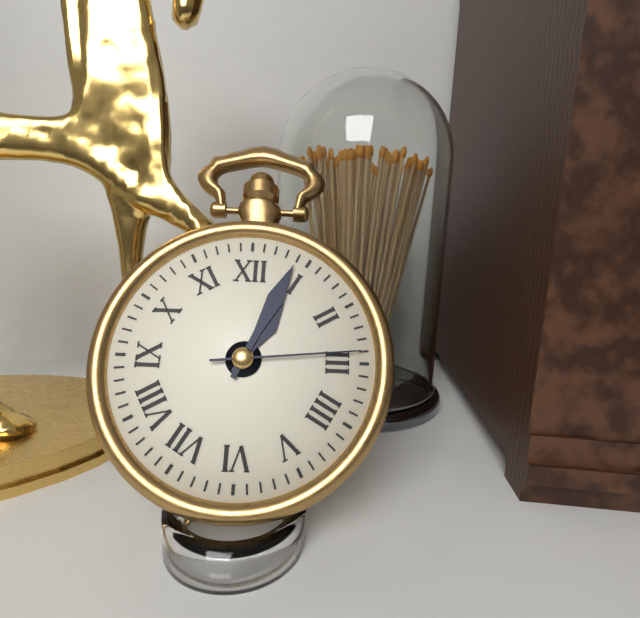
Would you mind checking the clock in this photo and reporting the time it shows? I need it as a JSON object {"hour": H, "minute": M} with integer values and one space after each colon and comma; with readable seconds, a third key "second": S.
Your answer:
{"hour": 1, "minute": 4, "second": 14}
